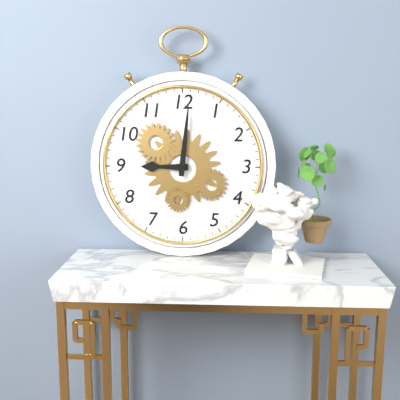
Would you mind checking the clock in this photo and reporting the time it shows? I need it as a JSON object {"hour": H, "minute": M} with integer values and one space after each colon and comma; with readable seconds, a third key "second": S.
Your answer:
{"hour": 9, "minute": 1}
